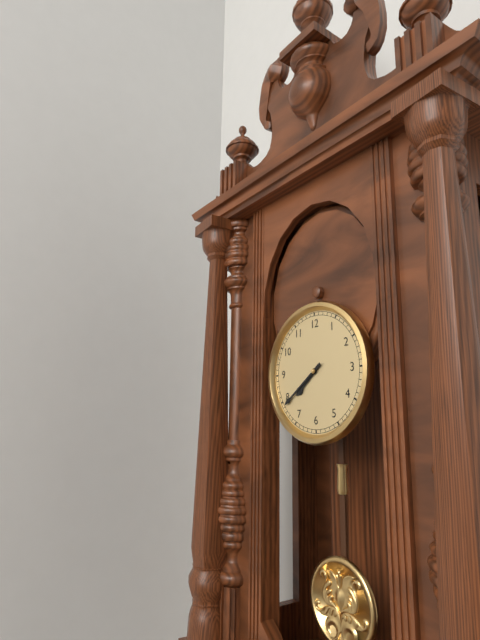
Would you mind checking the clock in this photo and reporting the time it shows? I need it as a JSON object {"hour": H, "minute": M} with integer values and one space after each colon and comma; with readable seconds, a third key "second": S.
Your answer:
{"hour": 7, "minute": 39}
